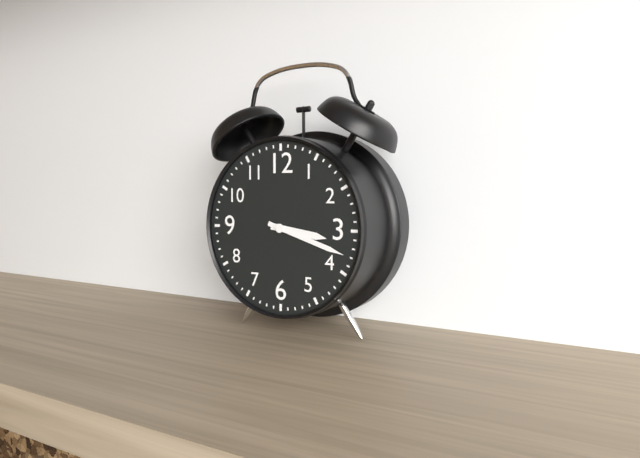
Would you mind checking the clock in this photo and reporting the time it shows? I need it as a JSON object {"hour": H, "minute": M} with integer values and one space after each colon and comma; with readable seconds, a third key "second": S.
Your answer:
{"hour": 3, "minute": 18}
